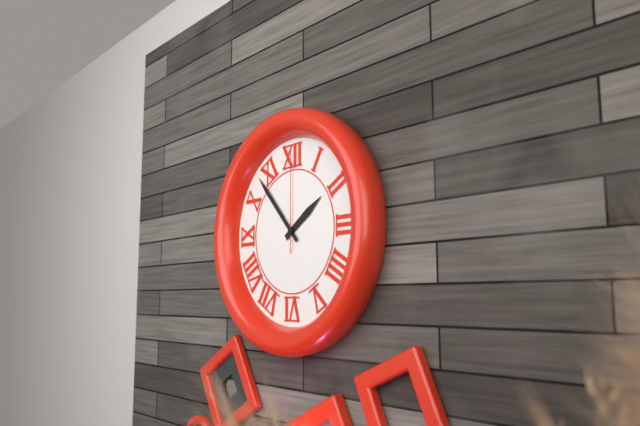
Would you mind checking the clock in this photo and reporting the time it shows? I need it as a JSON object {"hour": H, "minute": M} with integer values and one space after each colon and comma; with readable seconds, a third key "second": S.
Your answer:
{"hour": 1, "minute": 53, "second": 0}
